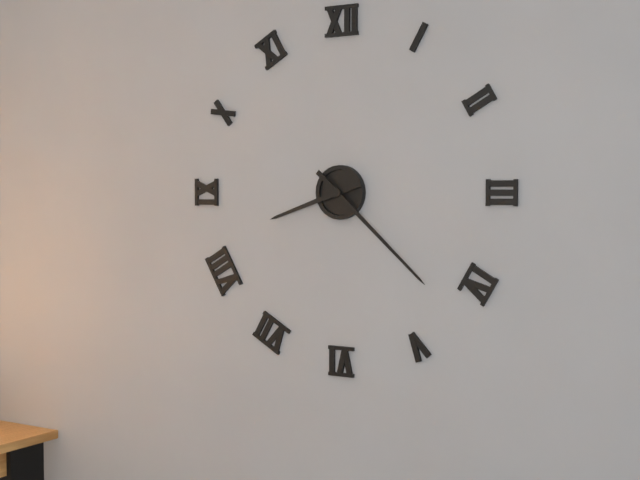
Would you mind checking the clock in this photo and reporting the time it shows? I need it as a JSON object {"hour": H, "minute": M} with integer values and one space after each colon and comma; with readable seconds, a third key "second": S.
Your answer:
{"hour": 8, "minute": 22}
